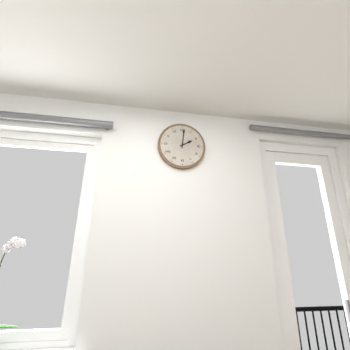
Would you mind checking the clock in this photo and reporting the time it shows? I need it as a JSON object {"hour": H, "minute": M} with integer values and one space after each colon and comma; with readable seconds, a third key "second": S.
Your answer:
{"hour": 2, "minute": 1}
